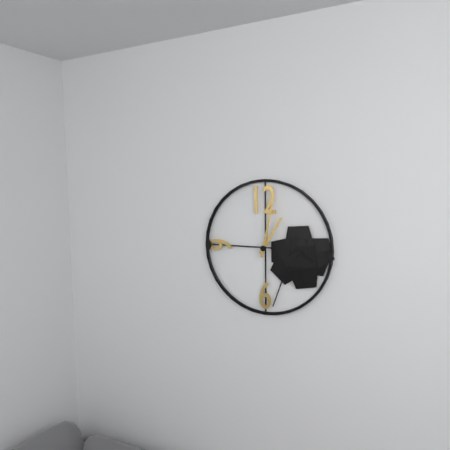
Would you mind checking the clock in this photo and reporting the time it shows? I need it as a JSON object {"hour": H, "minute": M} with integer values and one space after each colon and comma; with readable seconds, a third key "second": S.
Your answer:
{"hour": 1, "minute": 2}
